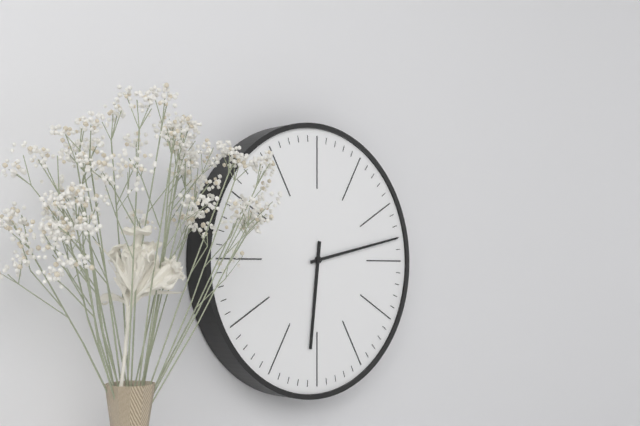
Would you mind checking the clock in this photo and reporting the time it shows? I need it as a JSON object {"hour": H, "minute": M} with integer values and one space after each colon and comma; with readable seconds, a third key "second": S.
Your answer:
{"hour": 6, "minute": 13}
